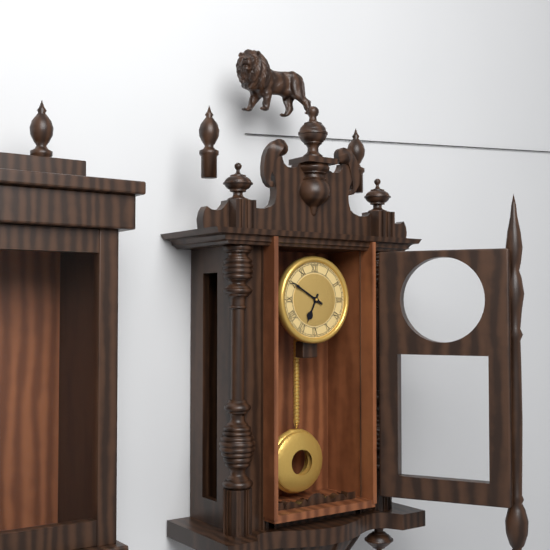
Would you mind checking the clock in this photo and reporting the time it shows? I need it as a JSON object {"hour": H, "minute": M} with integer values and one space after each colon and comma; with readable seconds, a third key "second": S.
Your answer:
{"hour": 6, "minute": 50}
